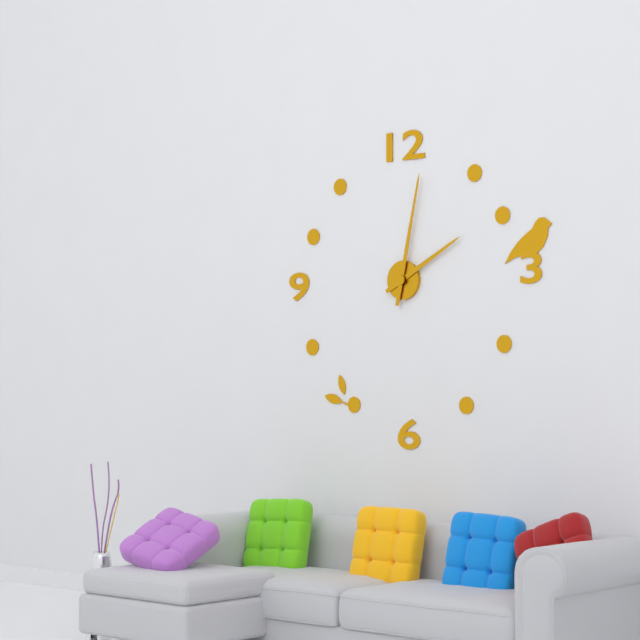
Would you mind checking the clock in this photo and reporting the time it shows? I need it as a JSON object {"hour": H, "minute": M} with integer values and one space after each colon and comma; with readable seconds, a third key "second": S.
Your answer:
{"hour": 2, "minute": 2}
